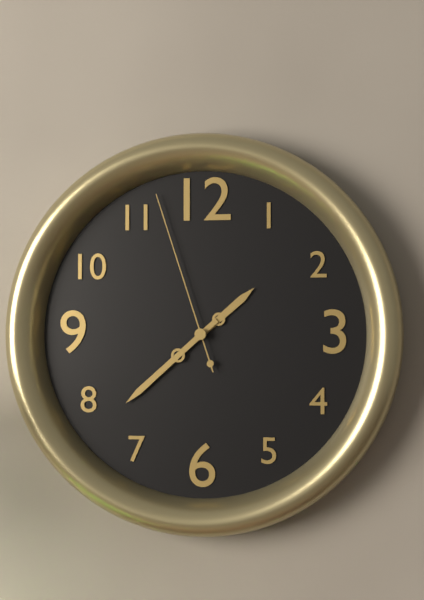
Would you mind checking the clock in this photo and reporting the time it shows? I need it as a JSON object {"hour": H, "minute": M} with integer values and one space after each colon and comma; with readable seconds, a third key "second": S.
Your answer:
{"hour": 1, "minute": 38, "second": 57}
